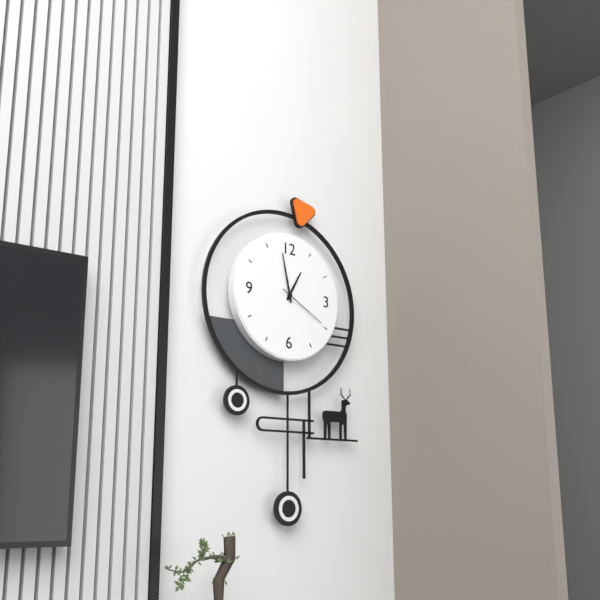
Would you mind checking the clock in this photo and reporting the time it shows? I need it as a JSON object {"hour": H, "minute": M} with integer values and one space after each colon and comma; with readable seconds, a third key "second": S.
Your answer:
{"hour": 12, "minute": 58, "second": 20}
